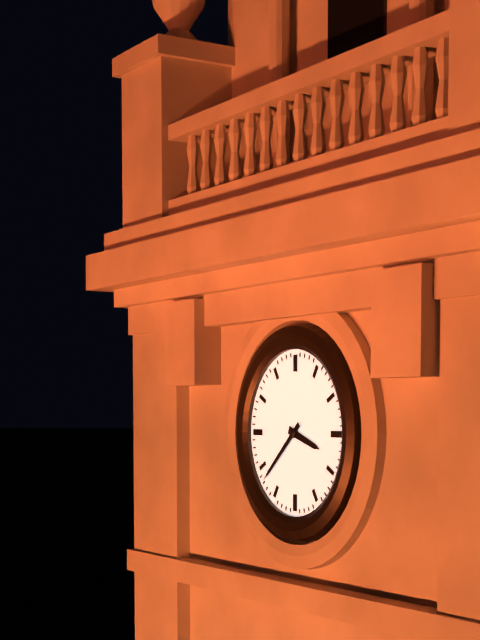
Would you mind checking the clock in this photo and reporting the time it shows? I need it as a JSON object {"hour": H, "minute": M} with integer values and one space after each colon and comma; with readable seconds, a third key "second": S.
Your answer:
{"hour": 3, "minute": 38}
